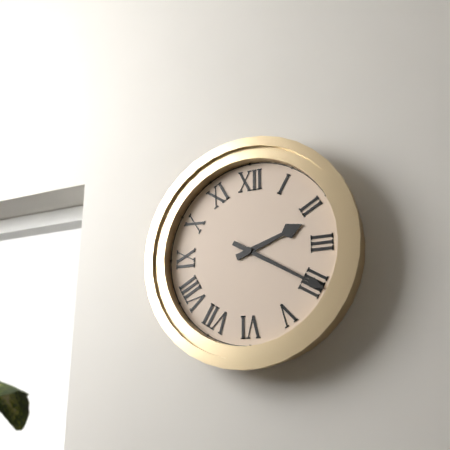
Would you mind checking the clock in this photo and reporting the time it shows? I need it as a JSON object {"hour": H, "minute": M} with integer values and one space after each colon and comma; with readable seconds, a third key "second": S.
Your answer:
{"hour": 2, "minute": 20}
